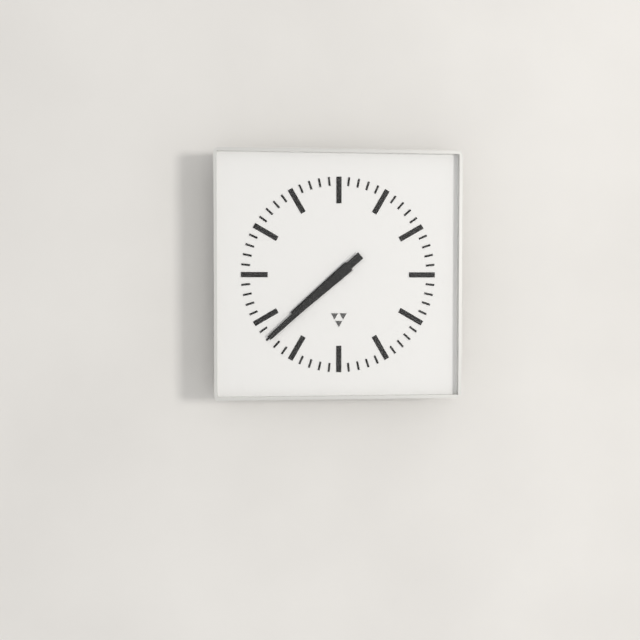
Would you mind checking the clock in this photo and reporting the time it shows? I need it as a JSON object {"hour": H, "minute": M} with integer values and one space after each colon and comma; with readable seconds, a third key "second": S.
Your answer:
{"hour": 7, "minute": 38}
